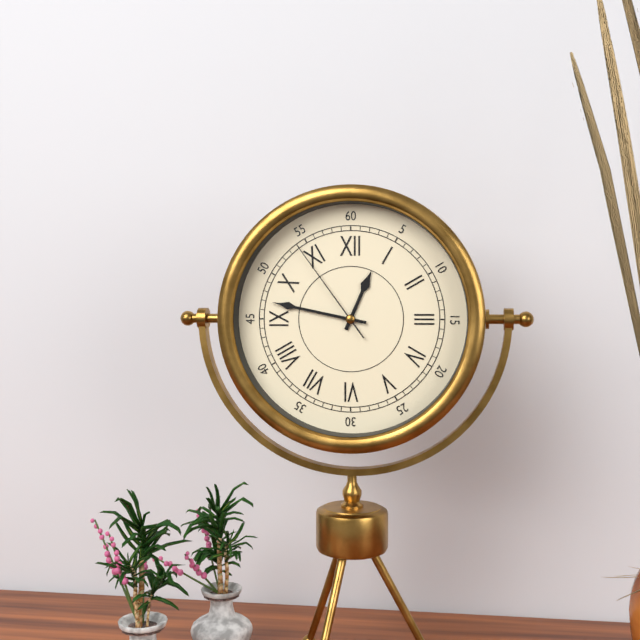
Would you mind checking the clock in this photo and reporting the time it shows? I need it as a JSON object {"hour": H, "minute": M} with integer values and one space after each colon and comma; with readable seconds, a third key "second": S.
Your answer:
{"hour": 12, "minute": 47, "second": 54}
